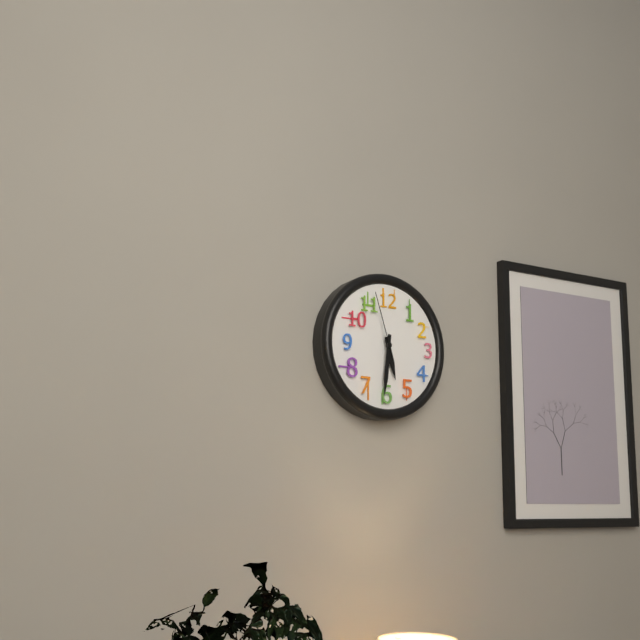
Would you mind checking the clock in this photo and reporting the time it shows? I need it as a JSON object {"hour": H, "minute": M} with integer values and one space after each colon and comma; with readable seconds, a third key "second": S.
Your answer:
{"hour": 5, "minute": 31, "second": 57}
